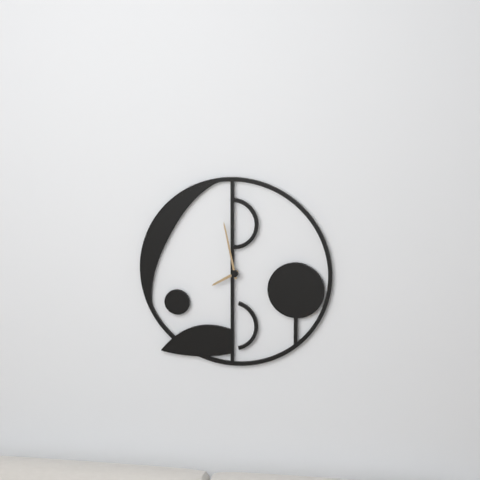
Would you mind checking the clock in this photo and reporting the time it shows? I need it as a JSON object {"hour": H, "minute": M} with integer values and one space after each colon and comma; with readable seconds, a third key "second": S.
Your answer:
{"hour": 7, "minute": 58}
